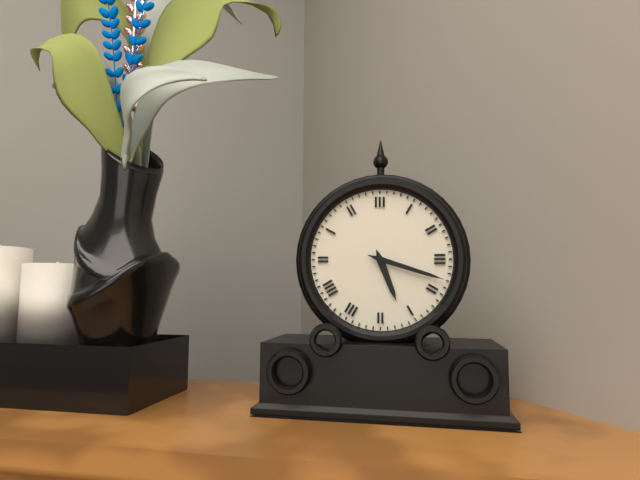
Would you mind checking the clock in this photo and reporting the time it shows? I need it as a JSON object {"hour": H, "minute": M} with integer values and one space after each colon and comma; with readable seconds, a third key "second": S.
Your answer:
{"hour": 5, "minute": 18}
